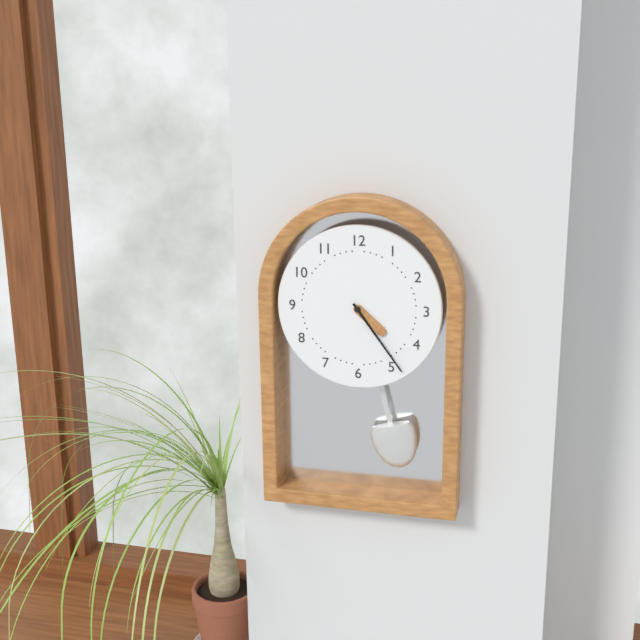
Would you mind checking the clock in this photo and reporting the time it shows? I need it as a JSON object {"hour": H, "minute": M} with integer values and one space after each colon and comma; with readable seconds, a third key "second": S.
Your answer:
{"hour": 4, "minute": 24}
